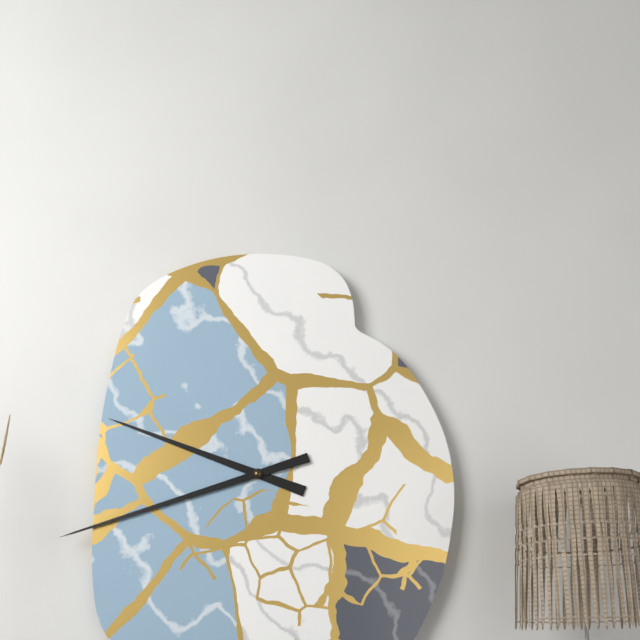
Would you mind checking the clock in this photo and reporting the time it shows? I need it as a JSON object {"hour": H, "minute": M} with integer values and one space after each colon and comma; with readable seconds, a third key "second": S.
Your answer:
{"hour": 9, "minute": 42}
